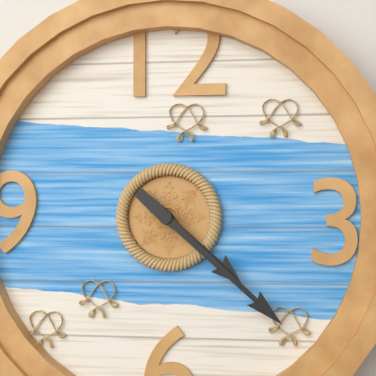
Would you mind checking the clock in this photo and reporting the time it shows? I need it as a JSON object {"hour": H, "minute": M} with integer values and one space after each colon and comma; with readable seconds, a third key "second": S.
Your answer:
{"hour": 4, "minute": 22}
